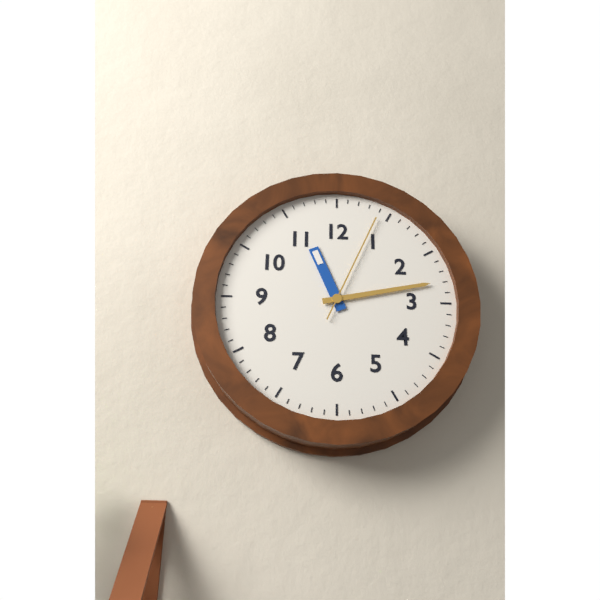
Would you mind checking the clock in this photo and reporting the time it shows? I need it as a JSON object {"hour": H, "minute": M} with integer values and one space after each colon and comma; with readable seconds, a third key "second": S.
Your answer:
{"hour": 11, "minute": 13, "second": 4}
